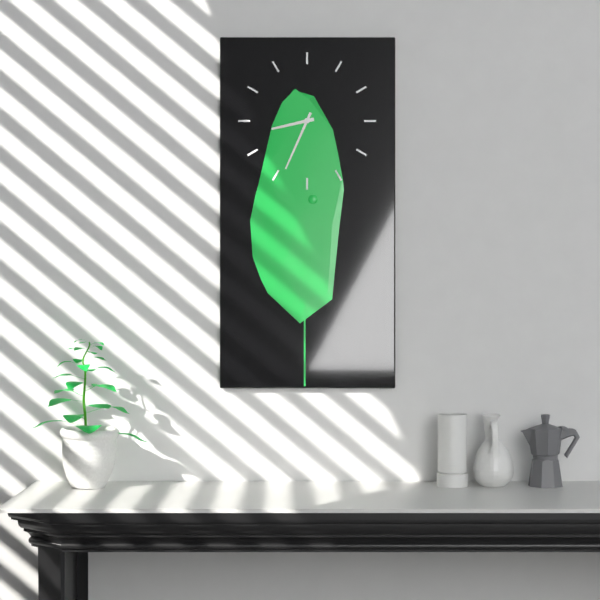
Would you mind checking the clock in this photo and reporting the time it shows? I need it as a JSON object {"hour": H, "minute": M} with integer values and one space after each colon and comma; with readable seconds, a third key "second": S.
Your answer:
{"hour": 8, "minute": 34}
